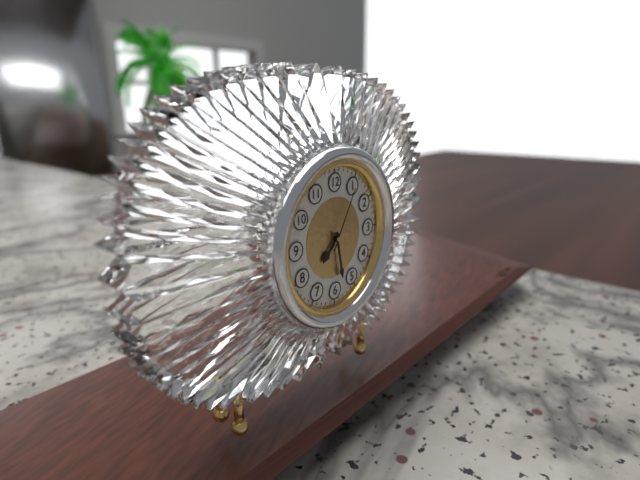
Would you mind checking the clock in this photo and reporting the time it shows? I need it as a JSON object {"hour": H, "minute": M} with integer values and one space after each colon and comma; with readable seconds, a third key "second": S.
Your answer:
{"hour": 7, "minute": 28, "second": 5}
